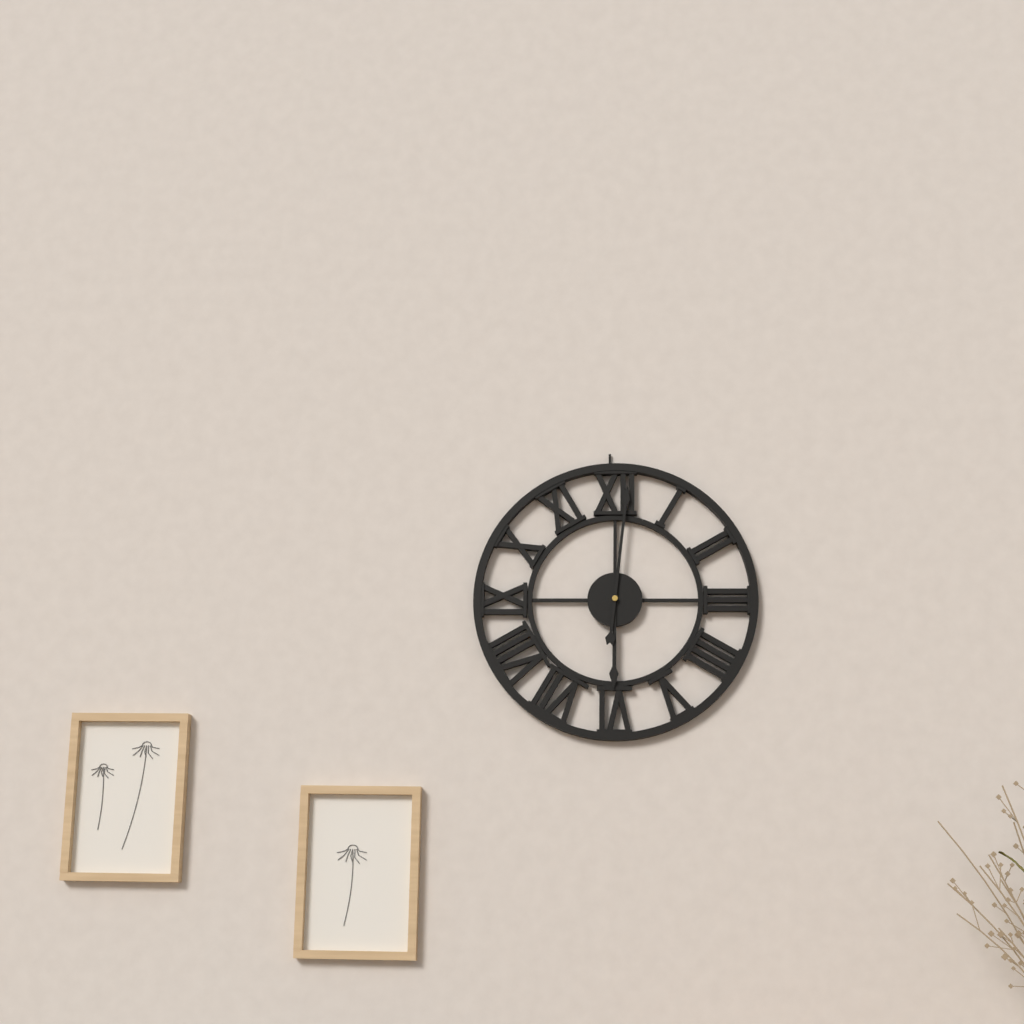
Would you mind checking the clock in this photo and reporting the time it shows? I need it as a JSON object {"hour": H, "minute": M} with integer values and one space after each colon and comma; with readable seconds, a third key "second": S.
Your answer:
{"hour": 6, "minute": 1}
